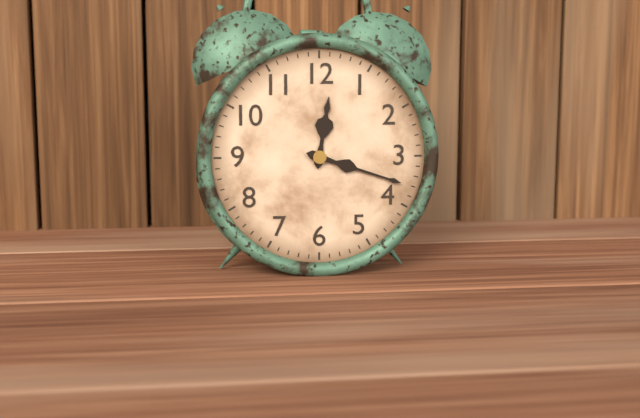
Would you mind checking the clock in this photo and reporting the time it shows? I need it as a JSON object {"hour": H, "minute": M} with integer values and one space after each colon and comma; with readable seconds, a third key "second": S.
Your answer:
{"hour": 12, "minute": 18}
